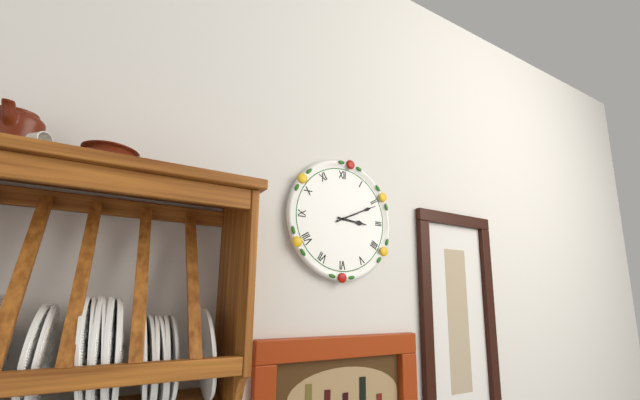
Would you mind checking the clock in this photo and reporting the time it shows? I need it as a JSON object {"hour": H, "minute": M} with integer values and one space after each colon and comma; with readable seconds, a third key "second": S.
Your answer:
{"hour": 3, "minute": 11}
